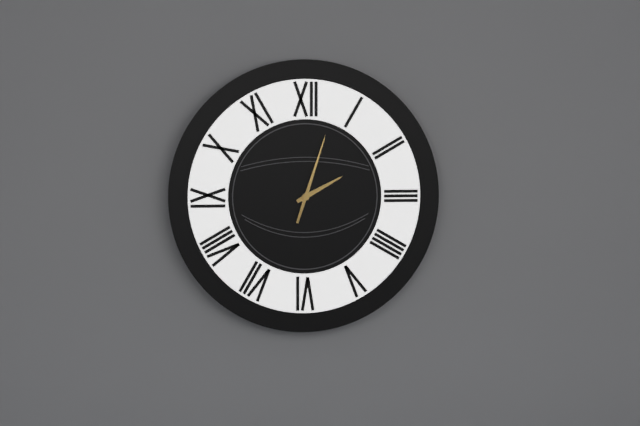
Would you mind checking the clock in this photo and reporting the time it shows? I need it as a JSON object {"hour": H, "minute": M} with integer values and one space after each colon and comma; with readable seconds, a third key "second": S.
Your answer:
{"hour": 2, "minute": 3}
